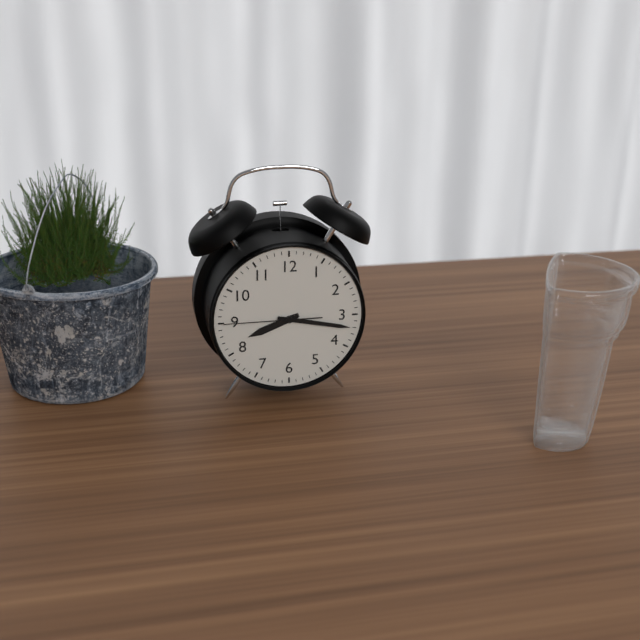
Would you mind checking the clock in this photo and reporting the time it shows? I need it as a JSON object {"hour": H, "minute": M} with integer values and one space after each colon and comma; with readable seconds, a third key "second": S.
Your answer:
{"hour": 8, "minute": 17, "second": 45}
